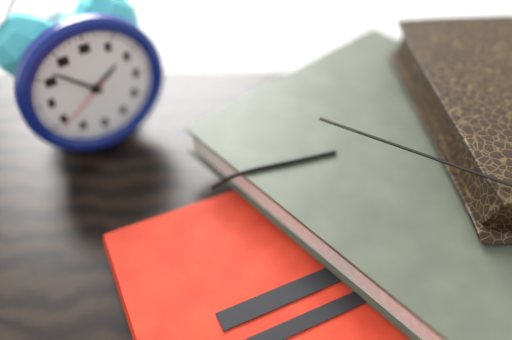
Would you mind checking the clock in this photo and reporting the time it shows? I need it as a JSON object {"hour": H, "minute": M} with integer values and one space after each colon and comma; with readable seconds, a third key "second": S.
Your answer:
{"hour": 1, "minute": 52, "second": 39}
